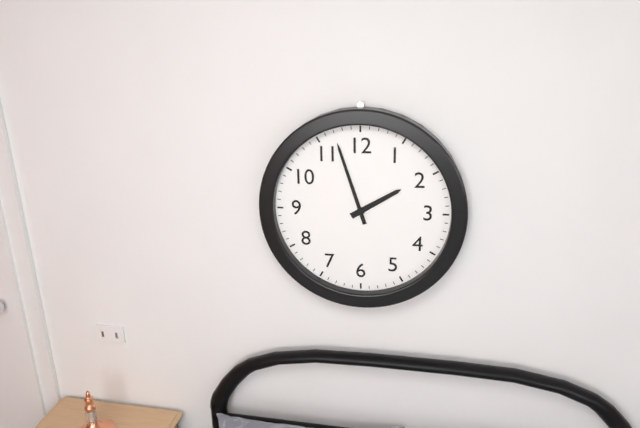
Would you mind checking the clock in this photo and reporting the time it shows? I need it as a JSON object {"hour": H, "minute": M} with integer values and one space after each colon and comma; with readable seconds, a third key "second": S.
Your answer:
{"hour": 1, "minute": 57}
